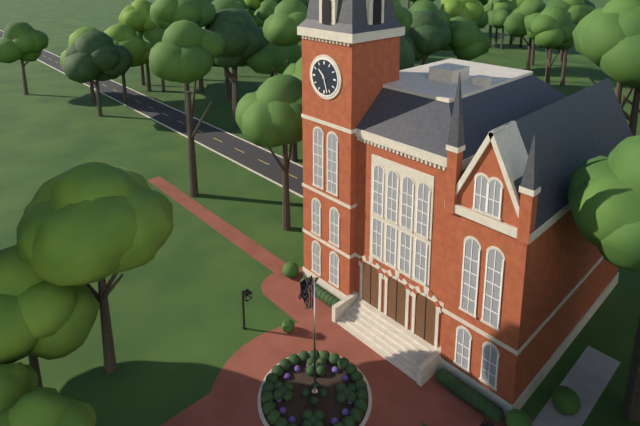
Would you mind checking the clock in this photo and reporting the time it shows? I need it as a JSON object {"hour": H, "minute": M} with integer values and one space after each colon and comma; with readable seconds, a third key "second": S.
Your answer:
{"hour": 10, "minute": 27}
